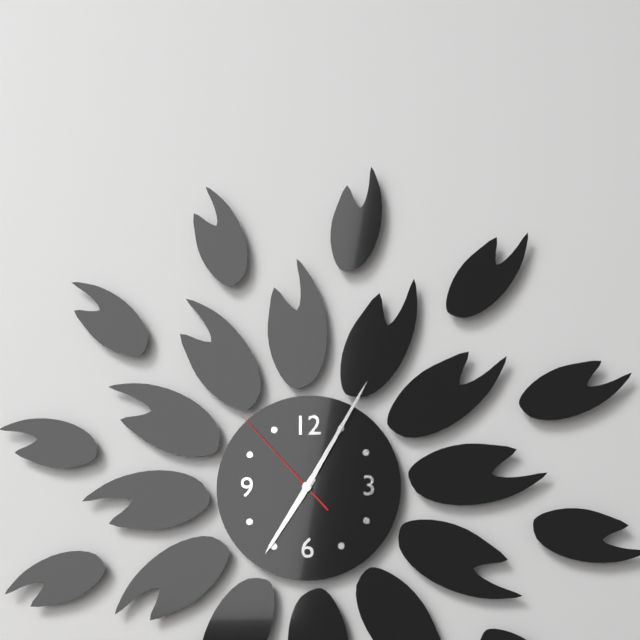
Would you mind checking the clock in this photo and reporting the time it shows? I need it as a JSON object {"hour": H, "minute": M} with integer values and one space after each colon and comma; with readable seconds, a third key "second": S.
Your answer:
{"hour": 7, "minute": 5, "second": 53}
